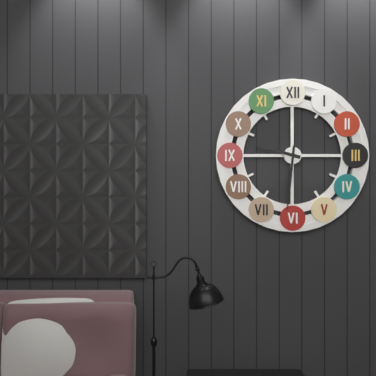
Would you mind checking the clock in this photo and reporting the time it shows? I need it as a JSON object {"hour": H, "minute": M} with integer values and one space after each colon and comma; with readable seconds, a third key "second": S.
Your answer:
{"hour": 9, "minute": 31}
